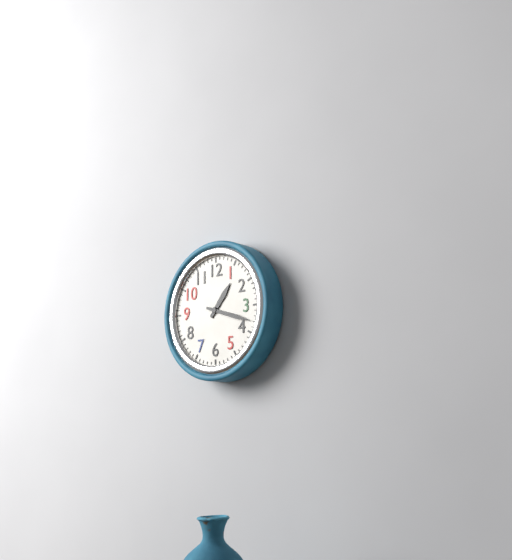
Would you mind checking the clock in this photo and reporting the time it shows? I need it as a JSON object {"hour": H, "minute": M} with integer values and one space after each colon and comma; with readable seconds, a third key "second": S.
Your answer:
{"hour": 1, "minute": 18}
